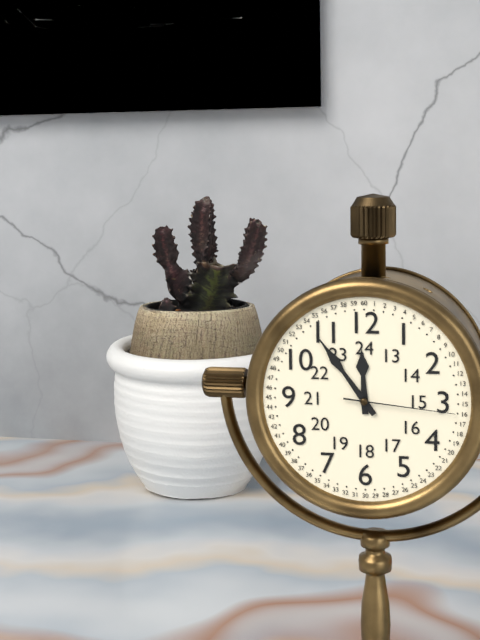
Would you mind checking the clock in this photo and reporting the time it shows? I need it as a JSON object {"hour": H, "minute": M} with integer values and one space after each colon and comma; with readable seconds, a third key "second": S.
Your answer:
{"hour": 11, "minute": 54, "second": 16}
